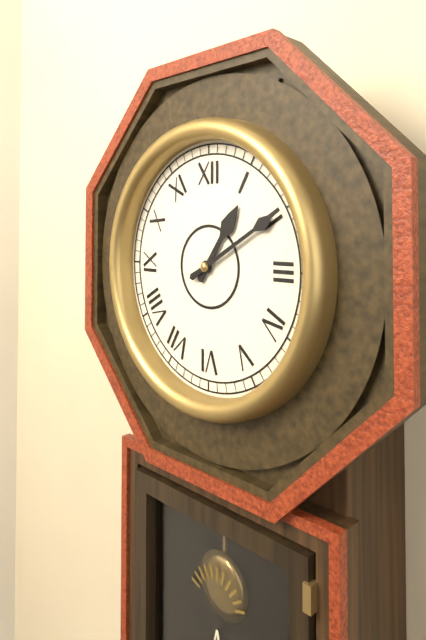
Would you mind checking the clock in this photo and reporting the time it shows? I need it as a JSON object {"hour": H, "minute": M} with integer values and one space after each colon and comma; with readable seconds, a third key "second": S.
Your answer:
{"hour": 1, "minute": 10}
